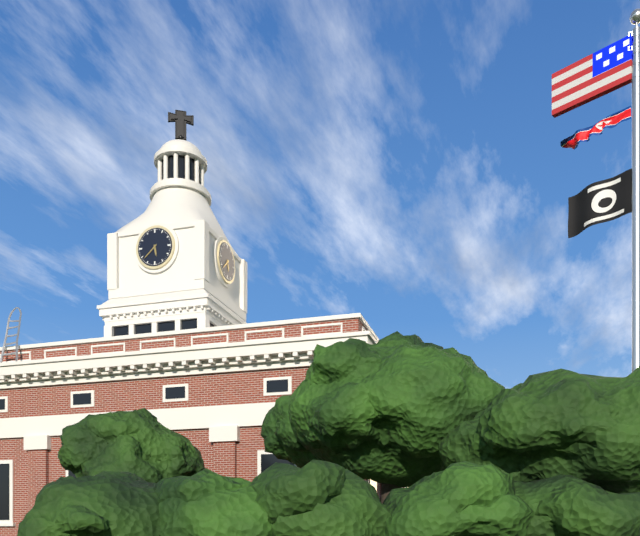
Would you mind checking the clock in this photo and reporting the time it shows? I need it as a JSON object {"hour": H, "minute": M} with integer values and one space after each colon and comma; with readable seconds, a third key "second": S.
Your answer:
{"hour": 5, "minute": 38}
